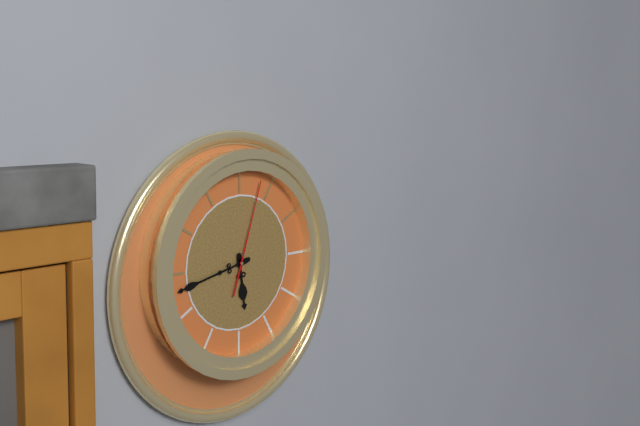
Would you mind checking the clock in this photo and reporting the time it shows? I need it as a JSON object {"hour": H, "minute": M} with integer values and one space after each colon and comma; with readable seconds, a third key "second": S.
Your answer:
{"hour": 5, "minute": 43, "second": 3}
